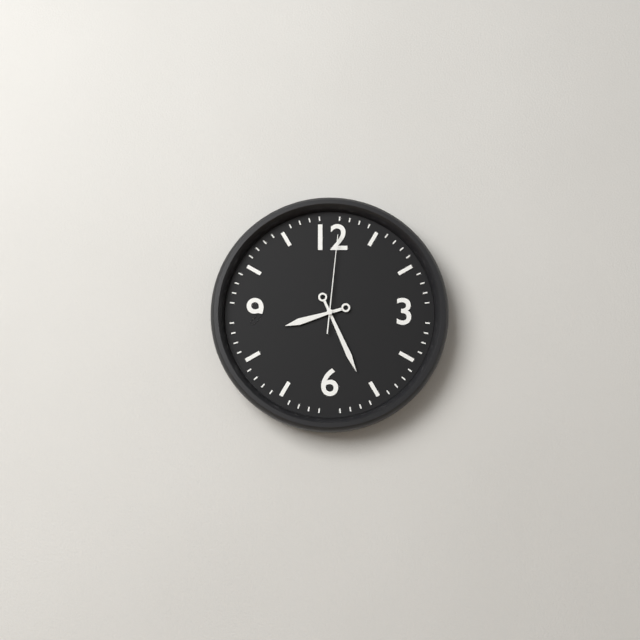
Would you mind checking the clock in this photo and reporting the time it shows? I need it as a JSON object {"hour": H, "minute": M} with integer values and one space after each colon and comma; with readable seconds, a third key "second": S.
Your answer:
{"hour": 8, "minute": 26, "second": 1}
